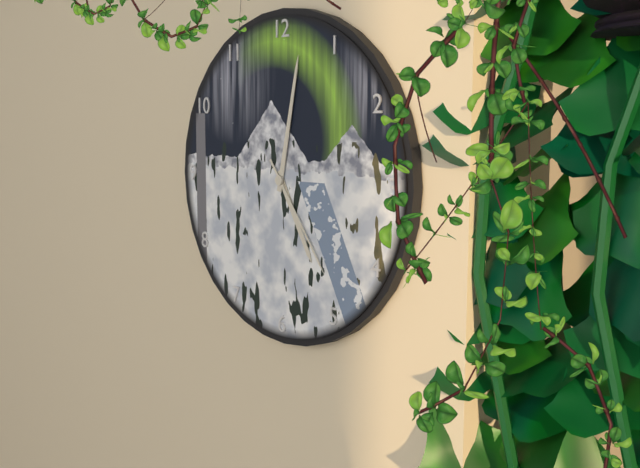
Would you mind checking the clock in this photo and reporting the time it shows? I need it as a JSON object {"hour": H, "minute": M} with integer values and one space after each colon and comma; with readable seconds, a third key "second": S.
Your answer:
{"hour": 5, "minute": 2, "second": 24}
